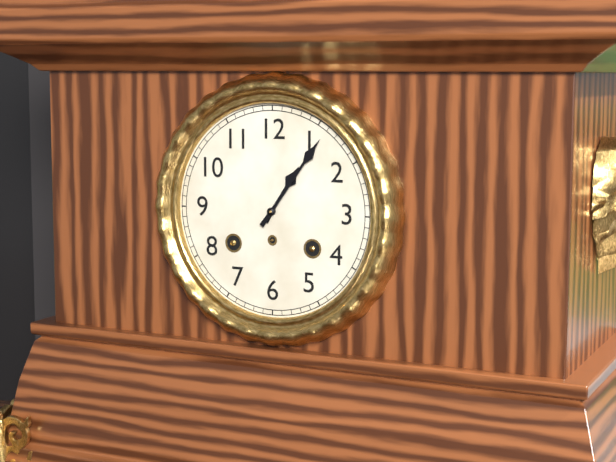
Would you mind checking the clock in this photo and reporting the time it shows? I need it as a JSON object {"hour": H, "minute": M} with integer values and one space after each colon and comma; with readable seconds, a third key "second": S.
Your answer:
{"hour": 1, "minute": 6}
